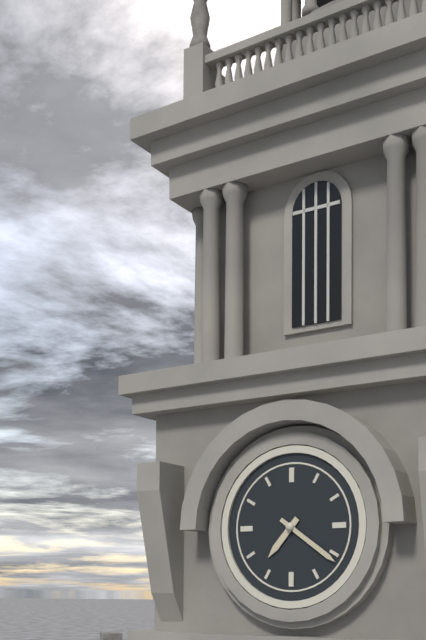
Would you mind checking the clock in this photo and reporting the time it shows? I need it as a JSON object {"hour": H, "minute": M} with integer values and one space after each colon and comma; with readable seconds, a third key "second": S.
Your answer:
{"hour": 7, "minute": 21}
